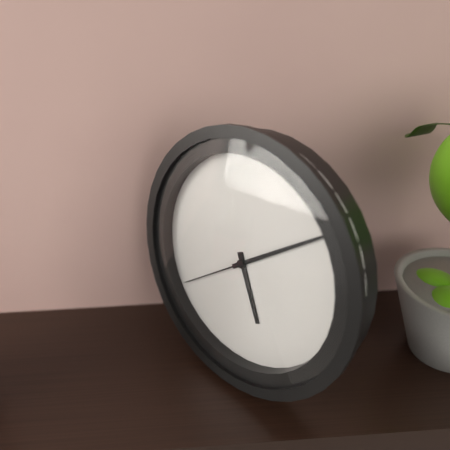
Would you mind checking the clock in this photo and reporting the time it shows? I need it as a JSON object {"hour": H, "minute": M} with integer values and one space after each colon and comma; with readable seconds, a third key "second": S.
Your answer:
{"hour": 5, "minute": 9, "second": 39}
